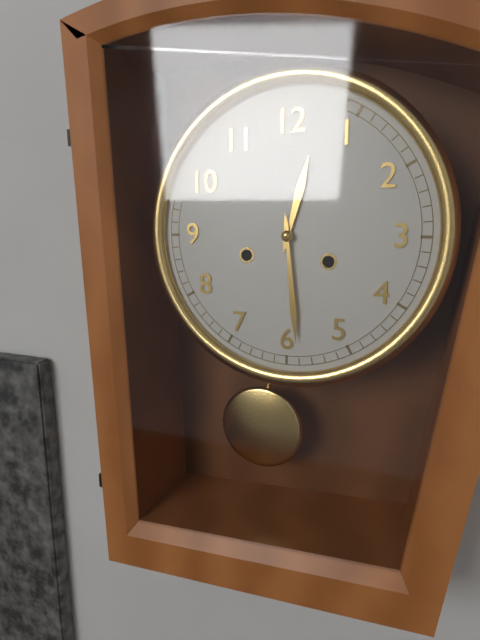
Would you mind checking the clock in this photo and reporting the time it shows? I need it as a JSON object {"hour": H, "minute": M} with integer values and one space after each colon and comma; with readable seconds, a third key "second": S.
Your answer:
{"hour": 12, "minute": 29}
